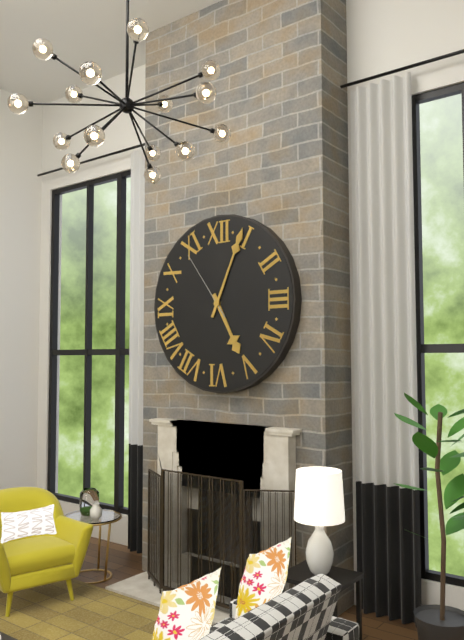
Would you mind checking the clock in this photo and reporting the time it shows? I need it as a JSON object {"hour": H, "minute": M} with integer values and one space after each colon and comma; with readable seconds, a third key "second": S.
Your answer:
{"hour": 5, "minute": 4, "second": 54}
